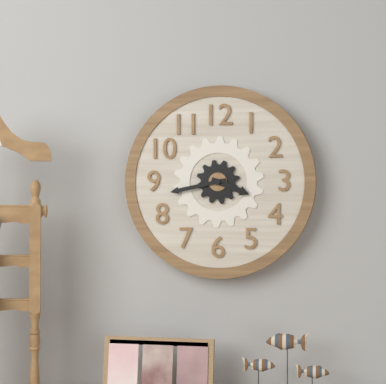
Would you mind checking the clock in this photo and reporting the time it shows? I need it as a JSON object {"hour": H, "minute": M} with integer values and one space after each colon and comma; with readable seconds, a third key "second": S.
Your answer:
{"hour": 3, "minute": 43}
